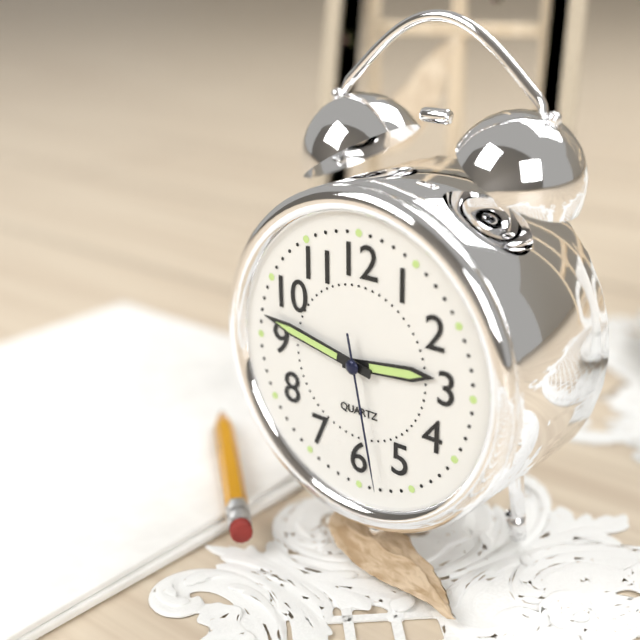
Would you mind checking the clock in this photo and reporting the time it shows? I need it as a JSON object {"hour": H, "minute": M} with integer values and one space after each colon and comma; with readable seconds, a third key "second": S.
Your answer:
{"hour": 2, "minute": 47, "second": 28}
